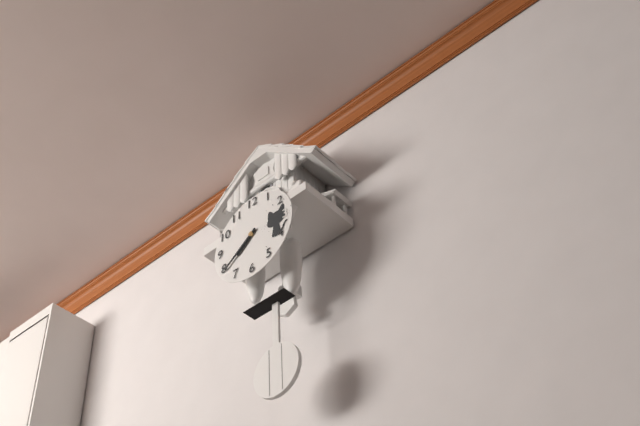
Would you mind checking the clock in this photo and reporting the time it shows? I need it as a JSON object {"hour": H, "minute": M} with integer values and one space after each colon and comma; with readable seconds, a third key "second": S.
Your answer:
{"hour": 7, "minute": 39}
